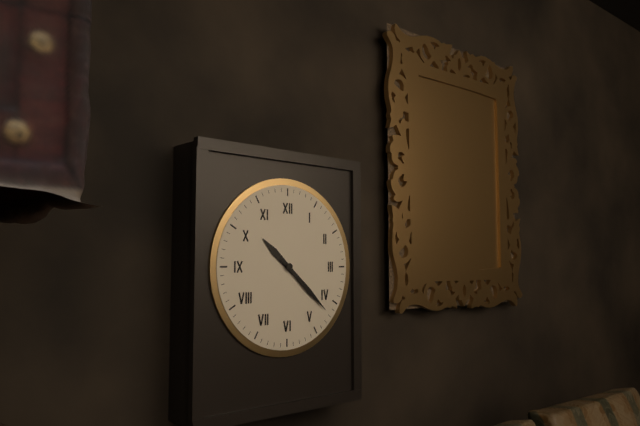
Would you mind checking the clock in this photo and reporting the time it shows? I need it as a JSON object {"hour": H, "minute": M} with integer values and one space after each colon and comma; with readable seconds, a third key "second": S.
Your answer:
{"hour": 10, "minute": 22}
